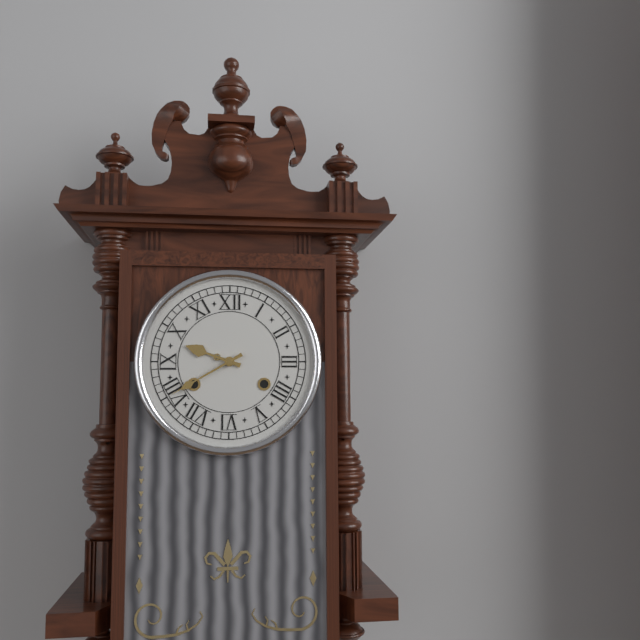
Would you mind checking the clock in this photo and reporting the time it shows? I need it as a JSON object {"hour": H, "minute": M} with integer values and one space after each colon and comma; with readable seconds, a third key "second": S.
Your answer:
{"hour": 9, "minute": 40}
